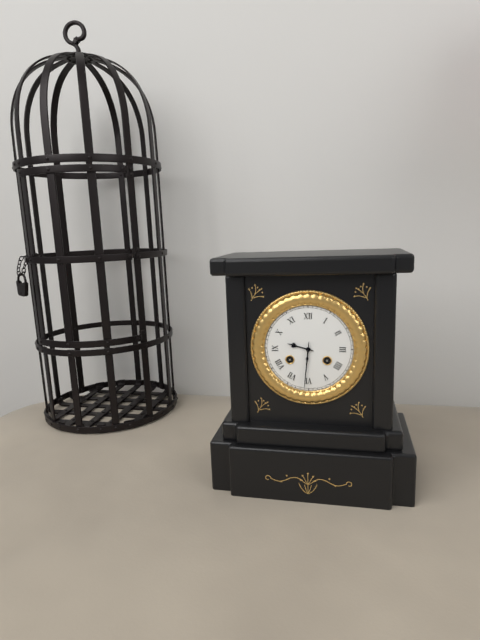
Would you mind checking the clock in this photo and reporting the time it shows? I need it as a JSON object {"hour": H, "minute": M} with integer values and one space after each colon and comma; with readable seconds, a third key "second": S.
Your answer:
{"hour": 9, "minute": 31}
